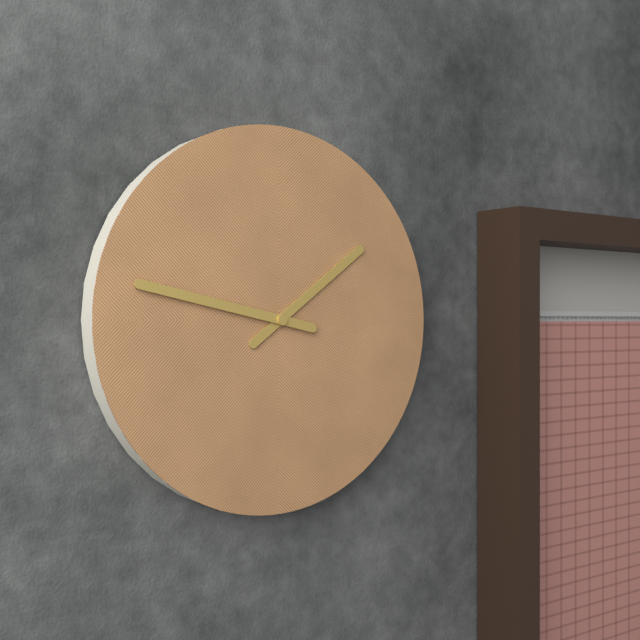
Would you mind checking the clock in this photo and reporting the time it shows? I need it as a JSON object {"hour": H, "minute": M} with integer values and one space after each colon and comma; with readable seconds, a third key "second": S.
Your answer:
{"hour": 1, "minute": 47}
